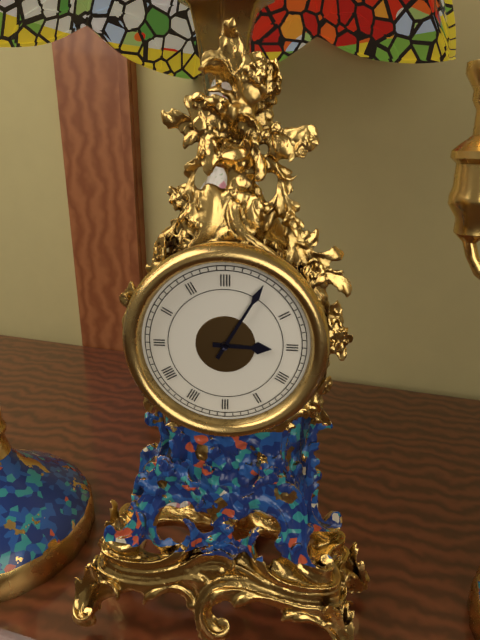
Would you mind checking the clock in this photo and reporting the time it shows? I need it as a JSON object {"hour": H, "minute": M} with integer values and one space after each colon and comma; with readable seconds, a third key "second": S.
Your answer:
{"hour": 3, "minute": 5}
